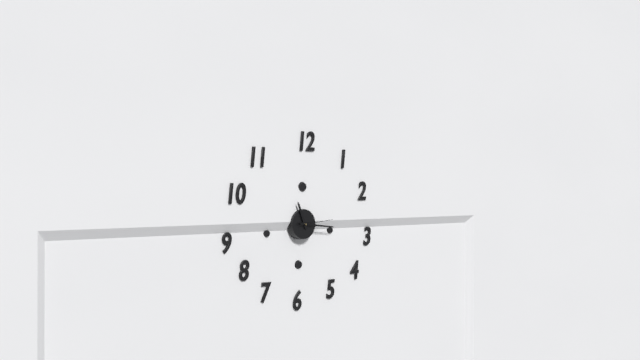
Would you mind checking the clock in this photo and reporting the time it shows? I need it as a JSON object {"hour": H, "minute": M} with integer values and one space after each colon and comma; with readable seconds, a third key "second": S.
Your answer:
{"hour": 11, "minute": 16}
